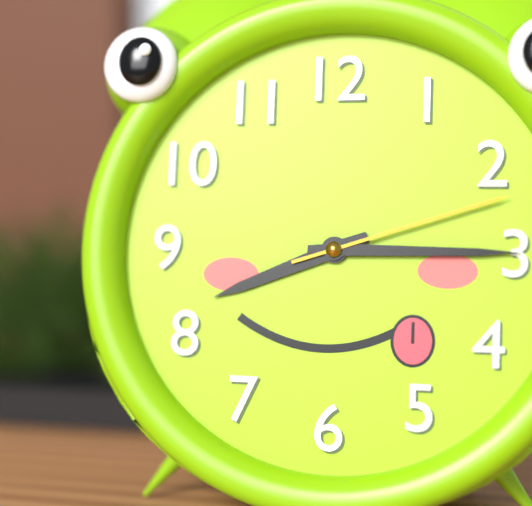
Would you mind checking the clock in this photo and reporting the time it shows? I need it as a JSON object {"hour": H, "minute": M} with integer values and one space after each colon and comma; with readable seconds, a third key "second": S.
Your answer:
{"hour": 8, "minute": 15, "second": 12}
